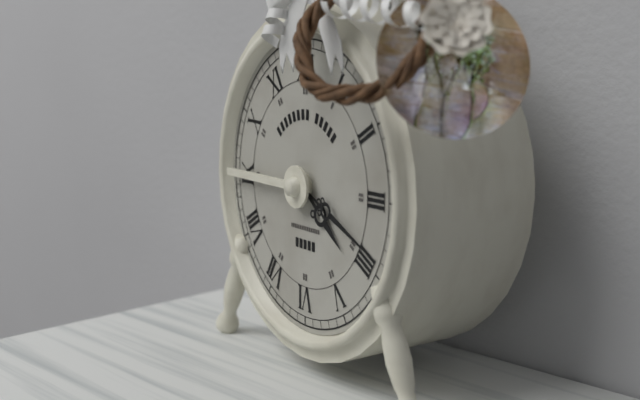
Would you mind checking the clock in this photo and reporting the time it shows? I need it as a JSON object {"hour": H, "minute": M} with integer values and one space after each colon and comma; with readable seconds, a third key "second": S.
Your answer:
{"hour": 4, "minute": 19}
